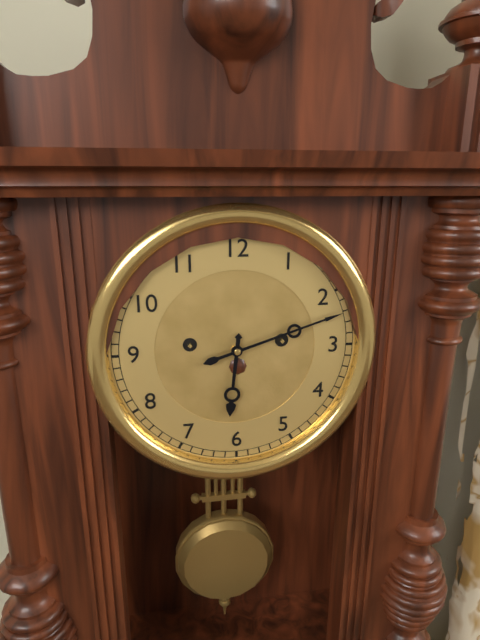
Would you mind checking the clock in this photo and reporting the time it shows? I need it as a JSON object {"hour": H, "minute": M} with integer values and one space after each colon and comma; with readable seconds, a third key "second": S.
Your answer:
{"hour": 6, "minute": 12}
